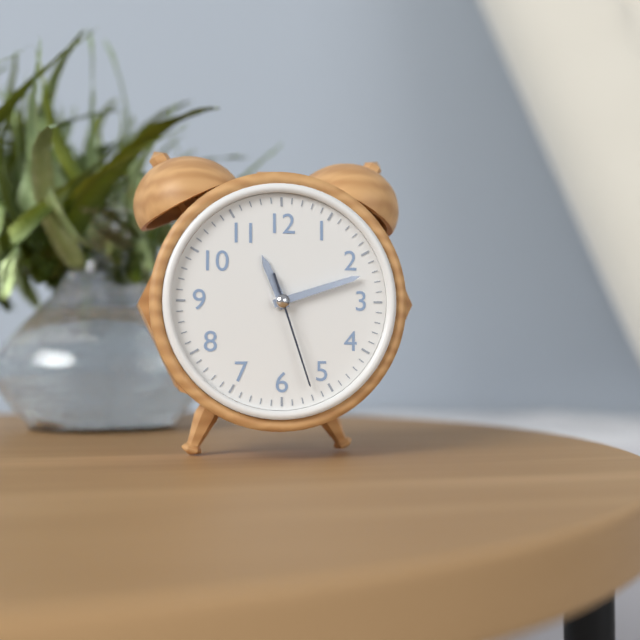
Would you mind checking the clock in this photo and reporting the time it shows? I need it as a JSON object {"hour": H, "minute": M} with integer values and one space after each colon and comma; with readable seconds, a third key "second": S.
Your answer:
{"hour": 11, "minute": 12, "second": 27}
